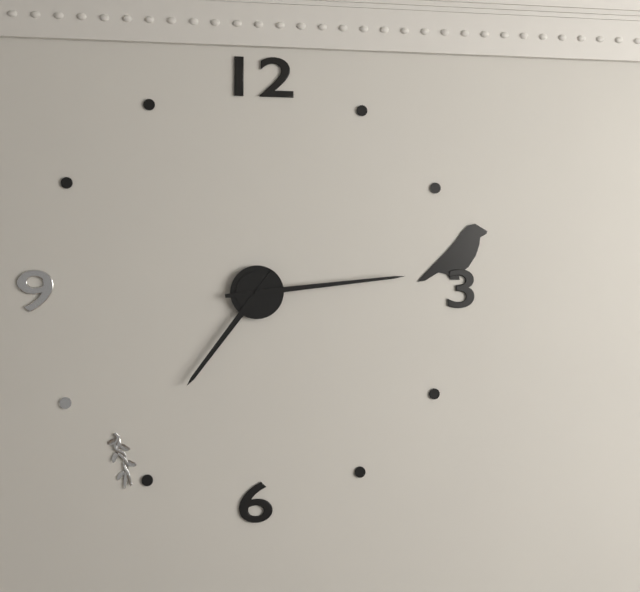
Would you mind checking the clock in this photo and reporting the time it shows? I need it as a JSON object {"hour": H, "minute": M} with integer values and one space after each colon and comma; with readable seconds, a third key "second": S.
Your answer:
{"hour": 7, "minute": 14}
